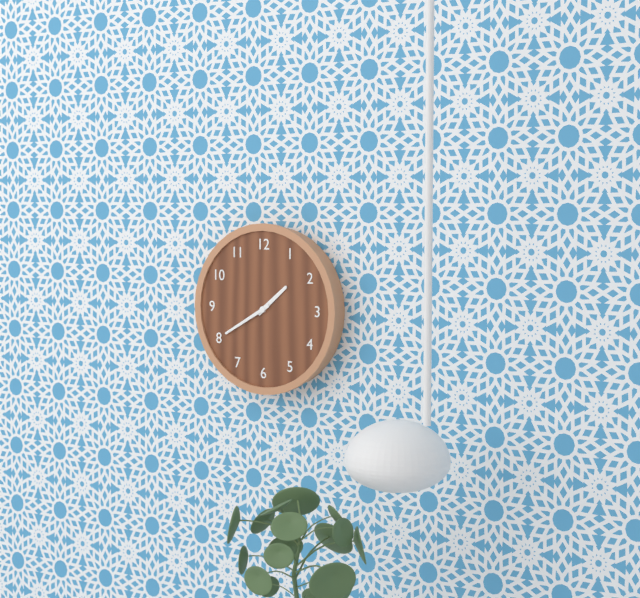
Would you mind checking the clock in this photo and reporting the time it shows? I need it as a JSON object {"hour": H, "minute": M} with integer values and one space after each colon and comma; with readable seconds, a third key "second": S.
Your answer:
{"hour": 1, "minute": 40}
